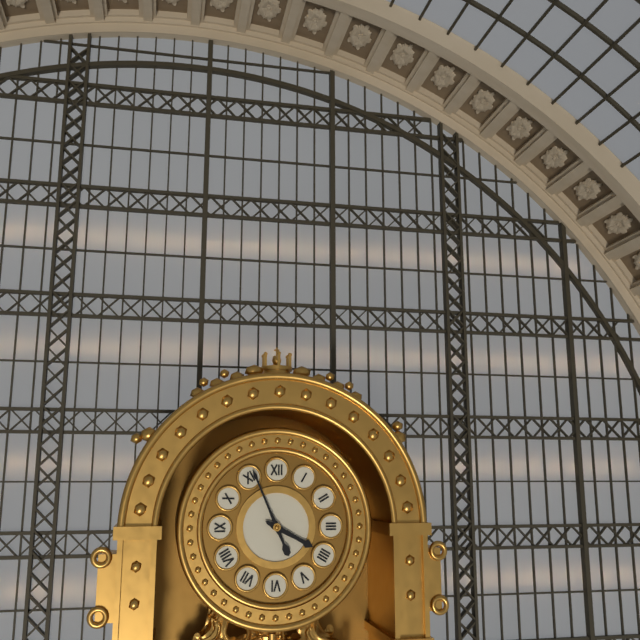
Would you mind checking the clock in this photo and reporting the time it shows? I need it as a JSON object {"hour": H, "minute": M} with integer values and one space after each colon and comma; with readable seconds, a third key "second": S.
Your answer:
{"hour": 3, "minute": 56}
